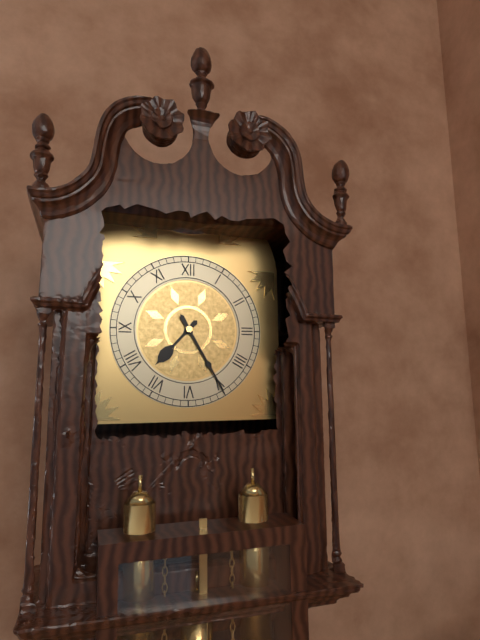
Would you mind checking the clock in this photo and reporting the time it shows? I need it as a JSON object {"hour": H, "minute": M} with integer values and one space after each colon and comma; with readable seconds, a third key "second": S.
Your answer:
{"hour": 7, "minute": 25}
